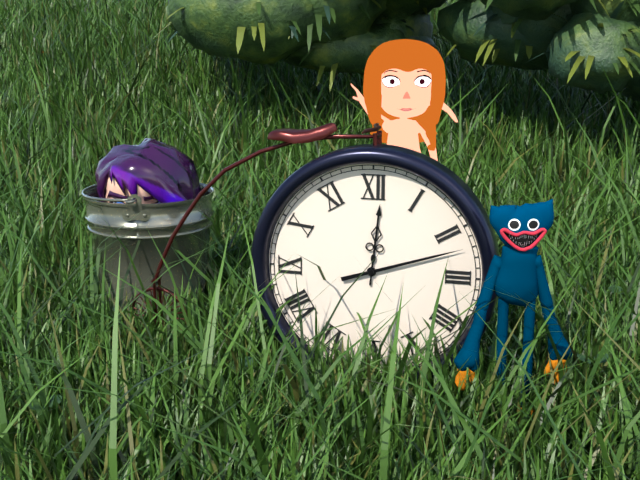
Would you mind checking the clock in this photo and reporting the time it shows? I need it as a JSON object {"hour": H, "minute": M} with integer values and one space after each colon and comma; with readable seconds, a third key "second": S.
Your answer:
{"hour": 12, "minute": 12}
